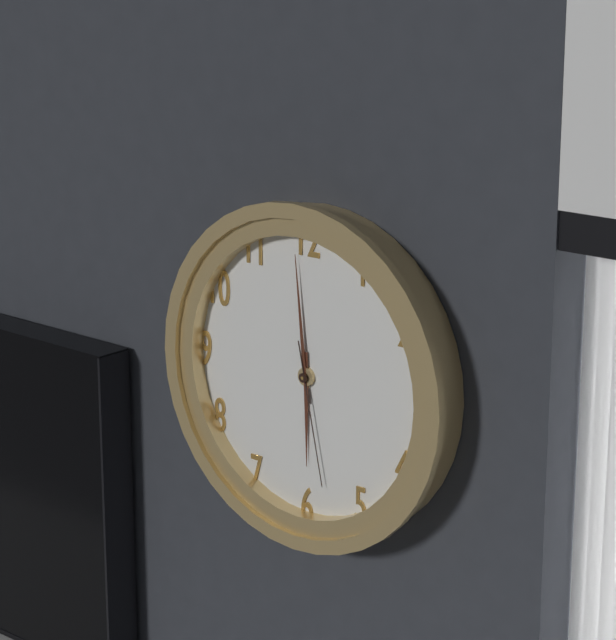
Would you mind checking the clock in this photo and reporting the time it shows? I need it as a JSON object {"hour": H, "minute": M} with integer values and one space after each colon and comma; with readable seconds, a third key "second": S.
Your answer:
{"hour": 5, "minute": 59, "second": 28}
